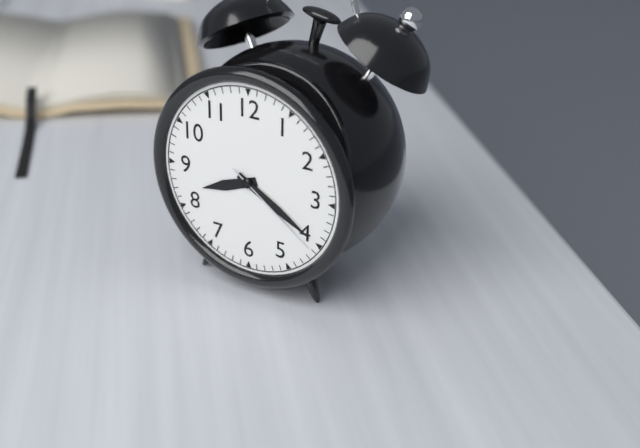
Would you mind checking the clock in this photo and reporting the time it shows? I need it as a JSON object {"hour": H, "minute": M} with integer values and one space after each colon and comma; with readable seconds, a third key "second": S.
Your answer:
{"hour": 8, "minute": 20, "second": 21}
